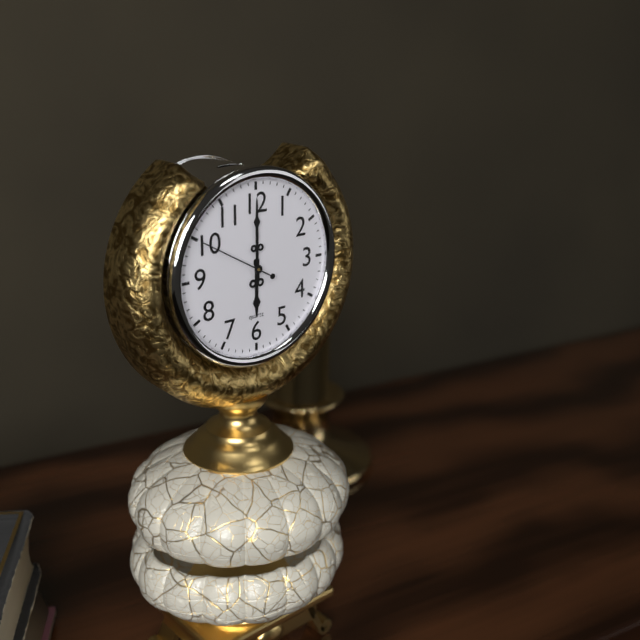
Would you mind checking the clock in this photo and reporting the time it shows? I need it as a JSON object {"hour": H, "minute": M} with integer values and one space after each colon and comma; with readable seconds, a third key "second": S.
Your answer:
{"hour": 6, "minute": 0, "second": 50}
